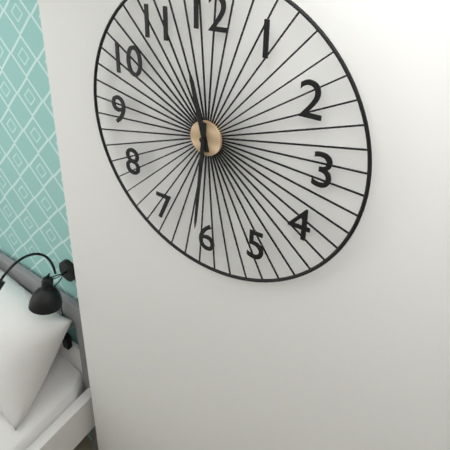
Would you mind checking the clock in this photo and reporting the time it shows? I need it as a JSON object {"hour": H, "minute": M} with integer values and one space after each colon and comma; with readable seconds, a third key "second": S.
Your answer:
{"hour": 11, "minute": 31}
